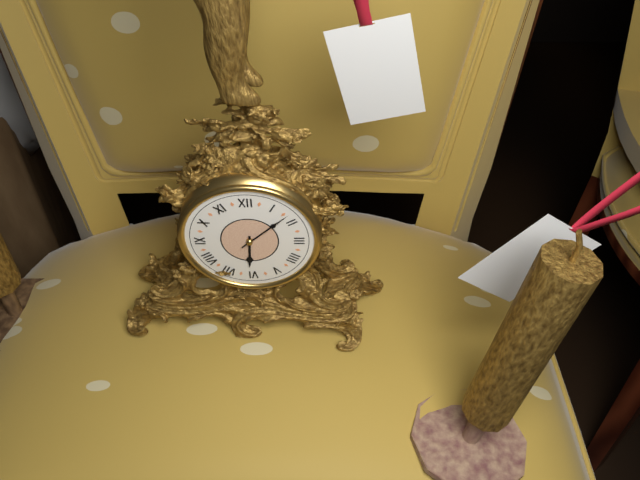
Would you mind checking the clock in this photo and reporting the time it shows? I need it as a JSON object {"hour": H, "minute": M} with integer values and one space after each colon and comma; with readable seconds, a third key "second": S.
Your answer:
{"hour": 6, "minute": 8}
